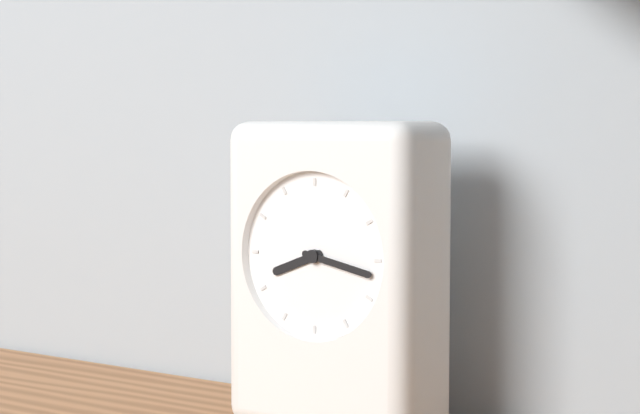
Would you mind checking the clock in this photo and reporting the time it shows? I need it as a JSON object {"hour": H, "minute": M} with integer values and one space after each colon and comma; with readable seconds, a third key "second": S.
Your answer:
{"hour": 8, "minute": 17}
